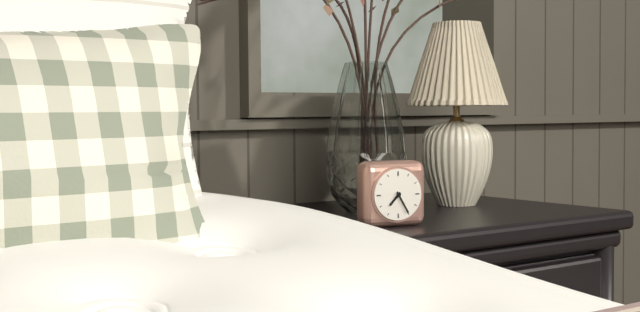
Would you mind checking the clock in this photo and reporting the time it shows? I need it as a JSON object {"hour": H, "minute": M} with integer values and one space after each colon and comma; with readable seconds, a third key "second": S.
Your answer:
{"hour": 7, "minute": 25}
